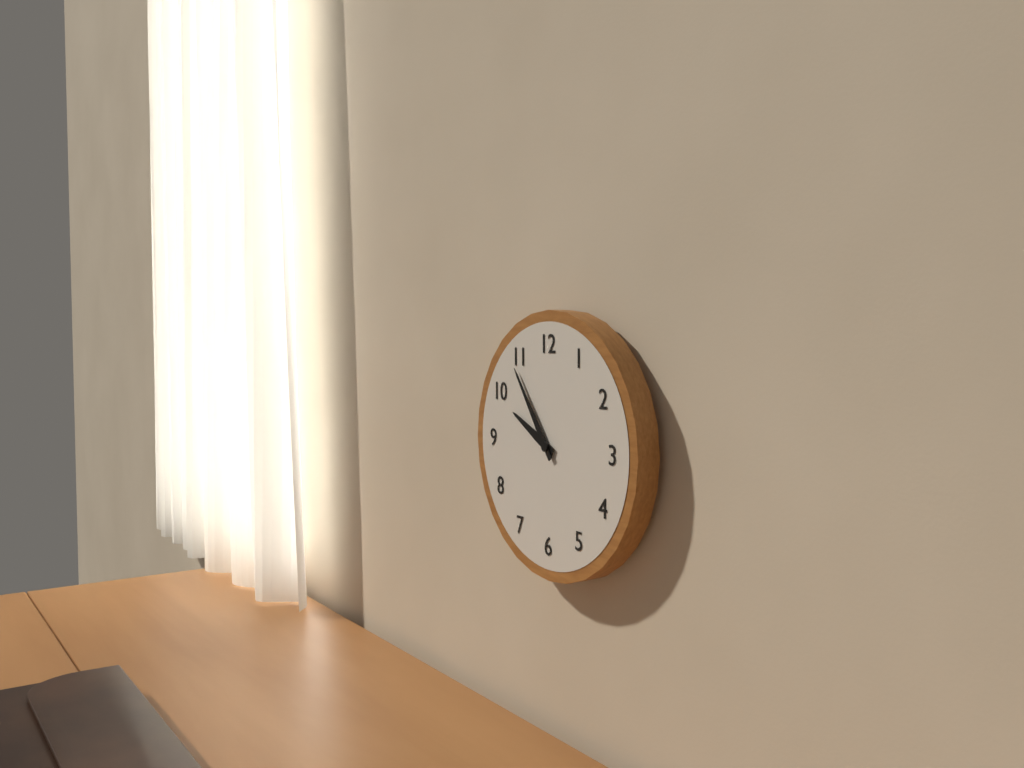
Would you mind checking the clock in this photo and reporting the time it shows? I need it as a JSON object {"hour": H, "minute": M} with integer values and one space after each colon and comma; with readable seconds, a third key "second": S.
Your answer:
{"hour": 9, "minute": 54}
